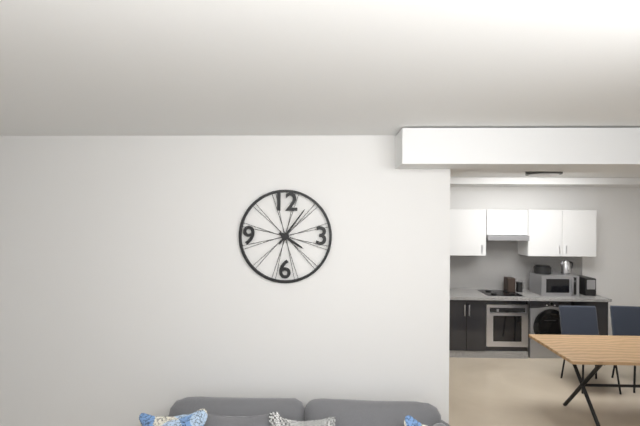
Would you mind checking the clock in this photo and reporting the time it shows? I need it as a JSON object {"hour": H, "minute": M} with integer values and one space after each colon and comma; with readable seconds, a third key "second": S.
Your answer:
{"hour": 4, "minute": 6}
